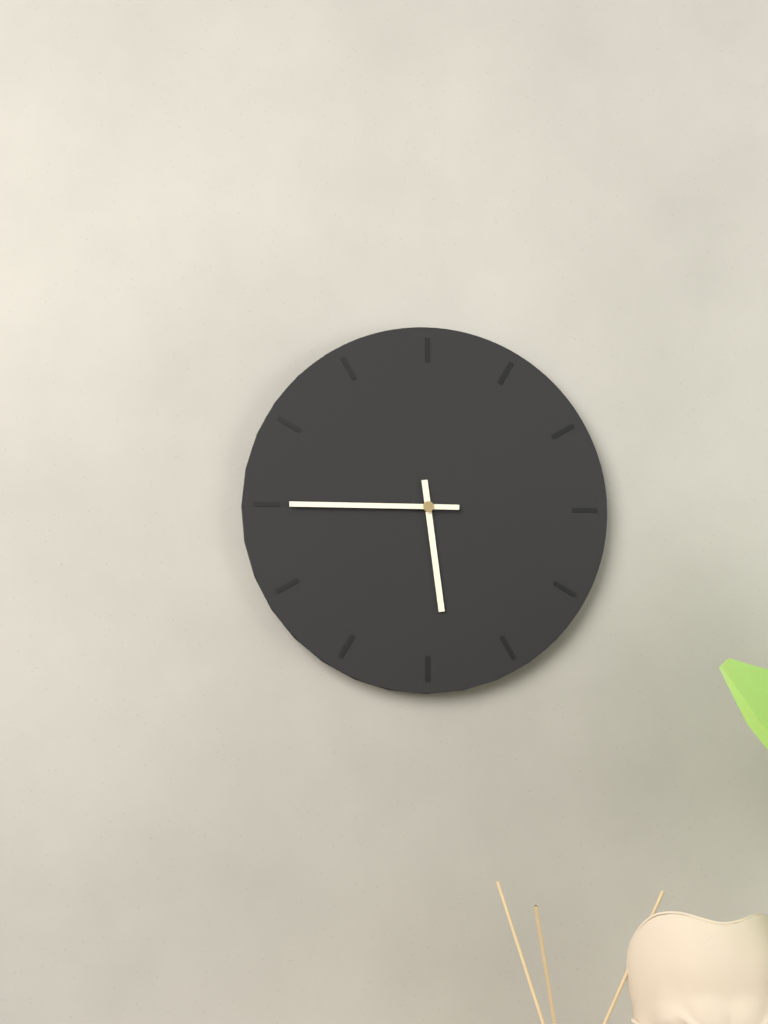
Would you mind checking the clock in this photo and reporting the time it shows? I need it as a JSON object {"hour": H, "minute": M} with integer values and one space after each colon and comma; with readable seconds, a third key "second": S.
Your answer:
{"hour": 5, "minute": 45}
